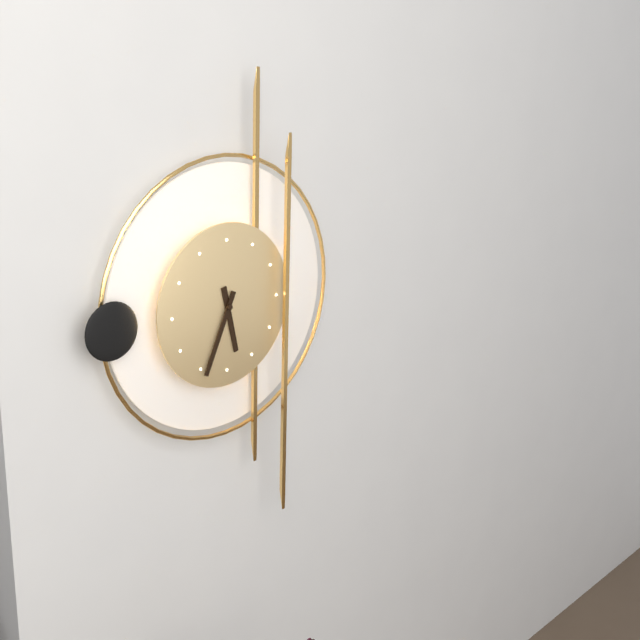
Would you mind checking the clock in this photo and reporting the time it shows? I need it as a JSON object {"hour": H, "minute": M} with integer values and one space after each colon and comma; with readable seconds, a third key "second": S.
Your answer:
{"hour": 5, "minute": 34}
